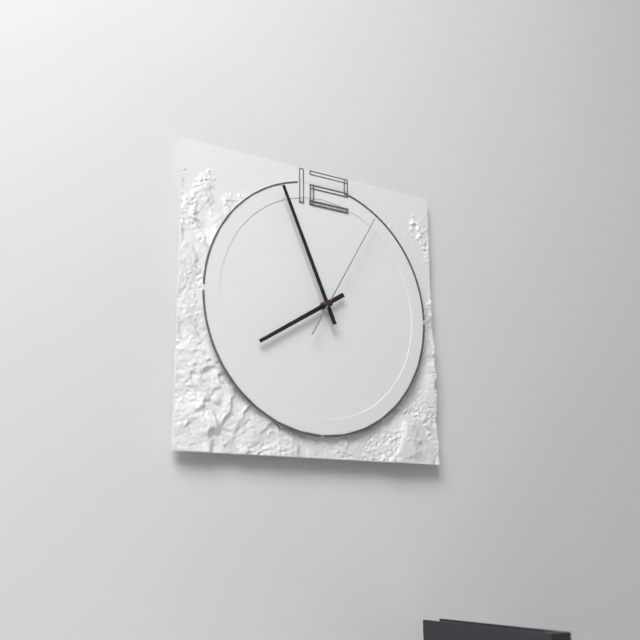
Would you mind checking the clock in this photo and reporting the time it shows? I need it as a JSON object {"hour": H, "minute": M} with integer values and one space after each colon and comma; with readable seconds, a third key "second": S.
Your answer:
{"hour": 7, "minute": 56, "second": 5}
